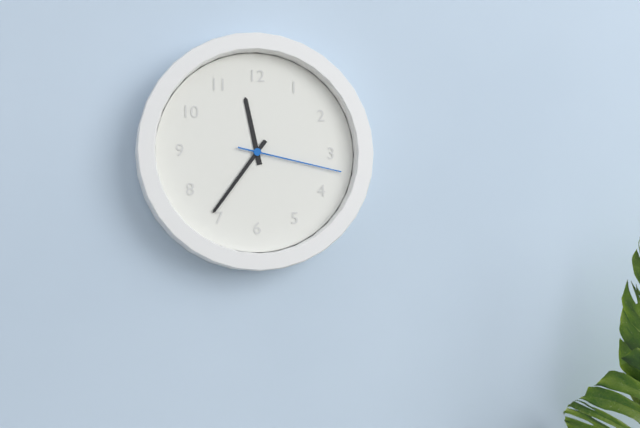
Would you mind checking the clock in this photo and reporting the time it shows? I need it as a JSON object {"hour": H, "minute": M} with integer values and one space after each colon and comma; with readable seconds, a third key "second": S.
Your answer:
{"hour": 11, "minute": 36, "second": 17}
